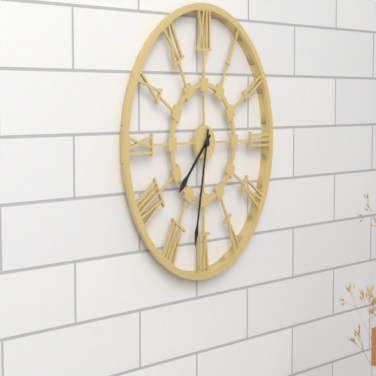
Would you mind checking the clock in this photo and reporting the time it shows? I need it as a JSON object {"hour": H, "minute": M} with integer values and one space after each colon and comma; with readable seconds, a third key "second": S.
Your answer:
{"hour": 7, "minute": 32}
